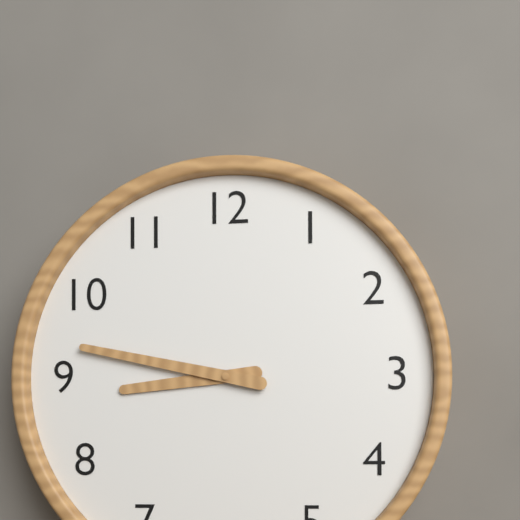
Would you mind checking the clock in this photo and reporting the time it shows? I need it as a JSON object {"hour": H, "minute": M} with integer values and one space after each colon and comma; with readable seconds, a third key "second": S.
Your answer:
{"hour": 8, "minute": 47}
